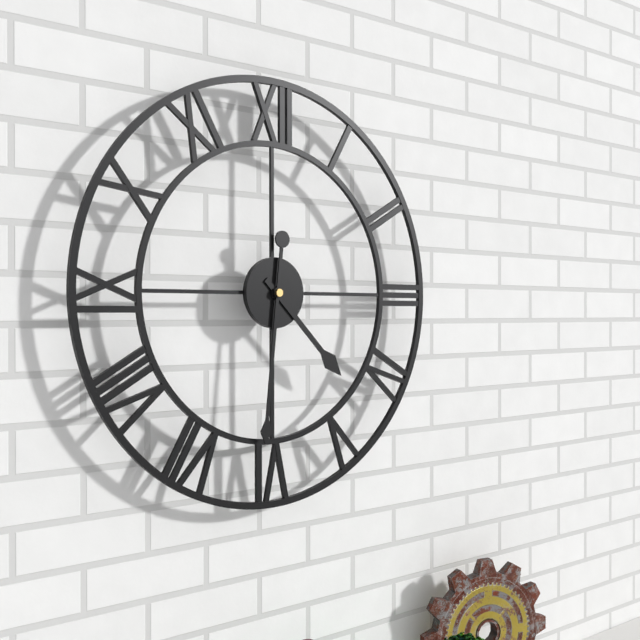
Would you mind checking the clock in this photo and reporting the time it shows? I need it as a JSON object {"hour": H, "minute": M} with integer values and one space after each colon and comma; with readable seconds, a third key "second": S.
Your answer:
{"hour": 4, "minute": 31}
